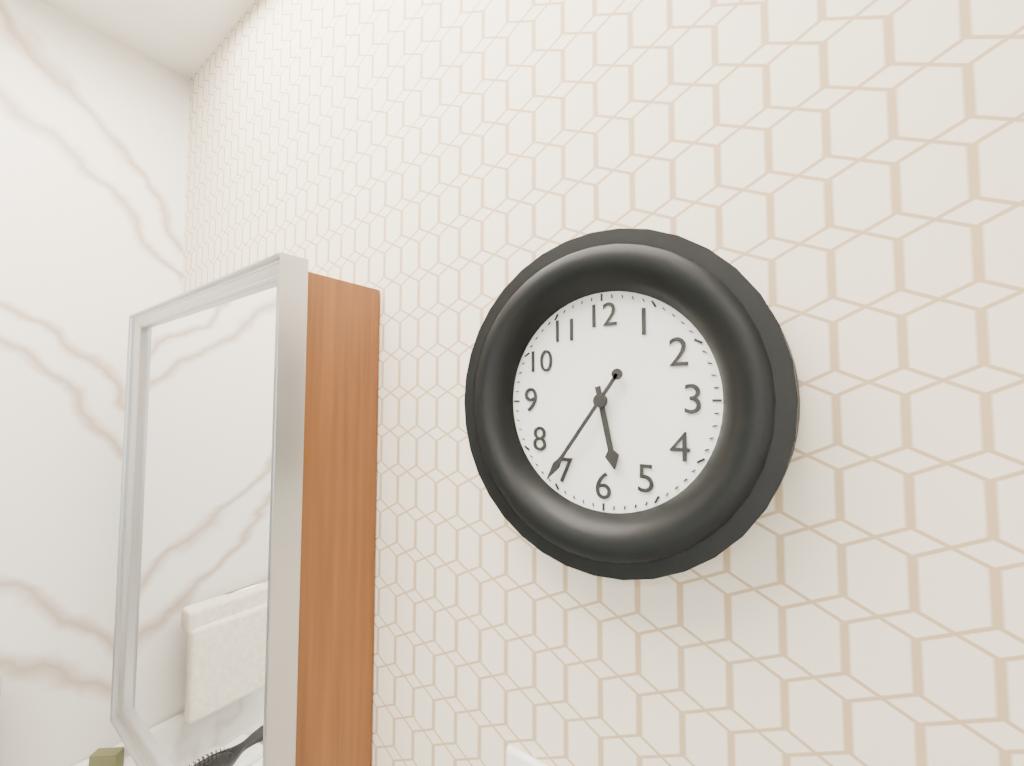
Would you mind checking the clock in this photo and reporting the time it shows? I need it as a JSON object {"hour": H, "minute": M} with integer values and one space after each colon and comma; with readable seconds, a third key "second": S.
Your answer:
{"hour": 5, "minute": 36}
